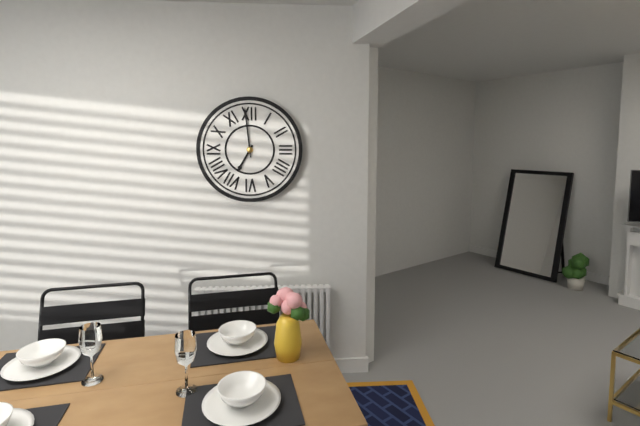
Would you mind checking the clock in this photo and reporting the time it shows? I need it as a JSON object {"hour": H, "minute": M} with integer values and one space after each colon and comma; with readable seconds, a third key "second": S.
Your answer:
{"hour": 6, "minute": 59}
